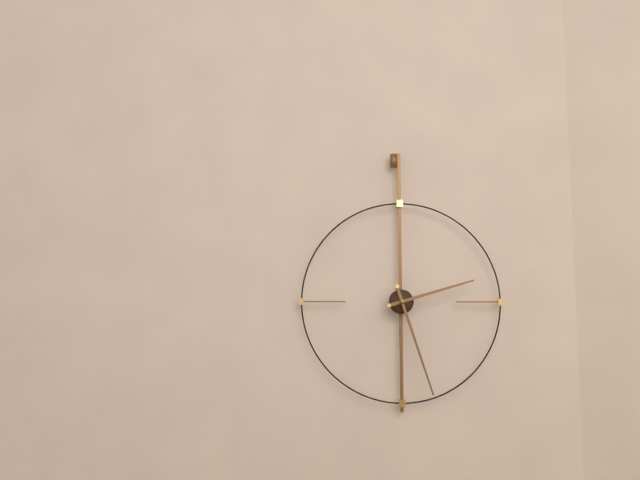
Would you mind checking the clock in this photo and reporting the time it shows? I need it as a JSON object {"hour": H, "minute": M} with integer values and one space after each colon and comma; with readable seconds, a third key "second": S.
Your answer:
{"hour": 2, "minute": 27}
